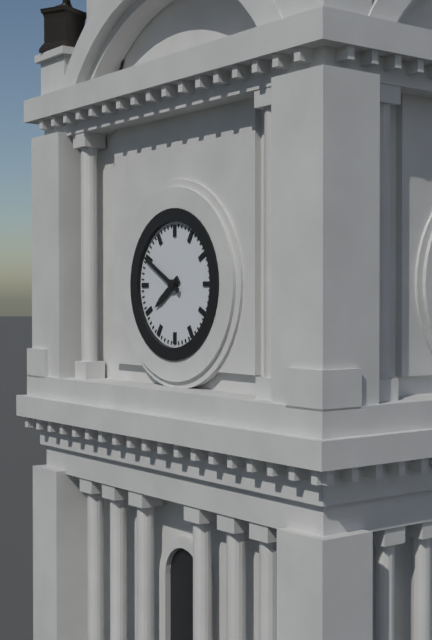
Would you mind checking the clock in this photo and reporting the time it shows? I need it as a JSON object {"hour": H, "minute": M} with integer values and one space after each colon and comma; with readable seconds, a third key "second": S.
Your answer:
{"hour": 7, "minute": 50}
